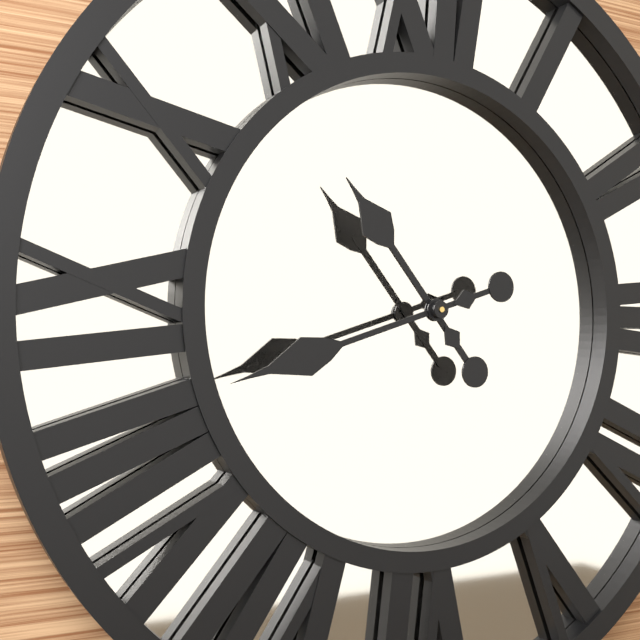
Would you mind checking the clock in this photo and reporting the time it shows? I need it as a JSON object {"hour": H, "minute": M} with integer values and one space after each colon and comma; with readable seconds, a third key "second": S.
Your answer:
{"hour": 10, "minute": 42}
